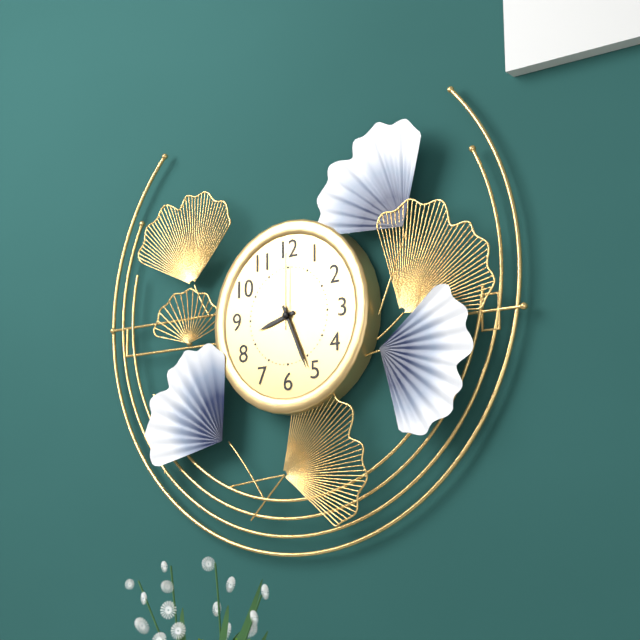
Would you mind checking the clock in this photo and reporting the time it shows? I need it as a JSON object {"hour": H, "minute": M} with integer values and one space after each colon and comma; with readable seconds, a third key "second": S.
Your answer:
{"hour": 8, "minute": 26, "second": 0}
